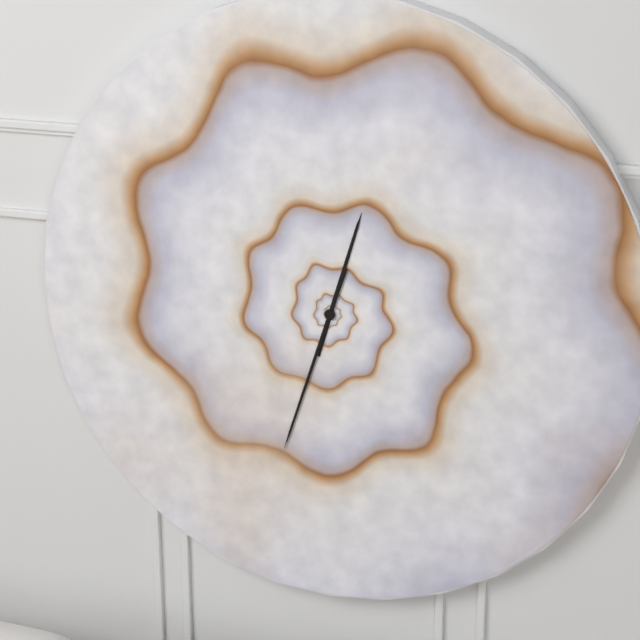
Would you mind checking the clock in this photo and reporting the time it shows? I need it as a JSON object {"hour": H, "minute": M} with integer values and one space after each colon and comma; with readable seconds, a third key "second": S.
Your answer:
{"hour": 12, "minute": 33}
